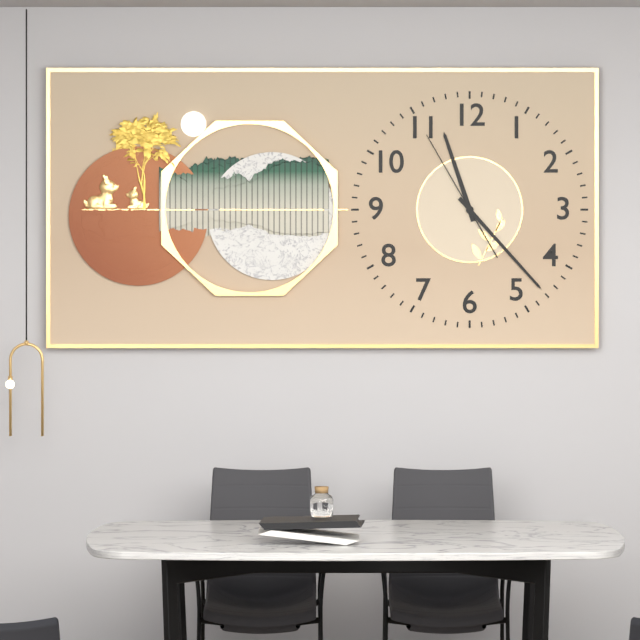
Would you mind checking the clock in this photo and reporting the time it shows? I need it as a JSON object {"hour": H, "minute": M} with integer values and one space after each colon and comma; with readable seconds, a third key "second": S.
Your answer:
{"hour": 11, "minute": 23, "second": 55}
